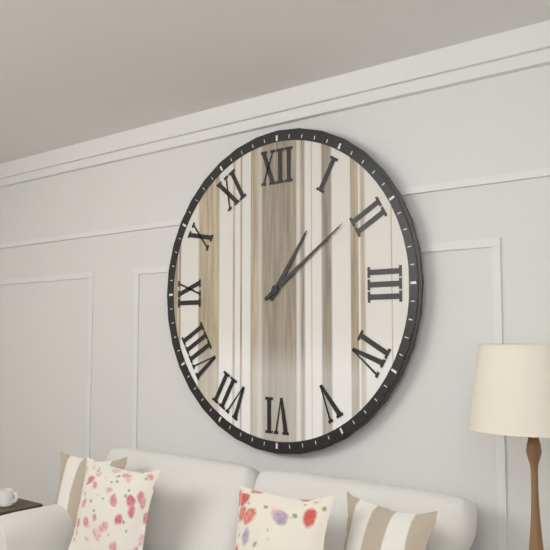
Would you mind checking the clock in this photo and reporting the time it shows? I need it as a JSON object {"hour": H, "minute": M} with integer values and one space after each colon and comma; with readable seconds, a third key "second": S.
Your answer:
{"hour": 1, "minute": 9}
